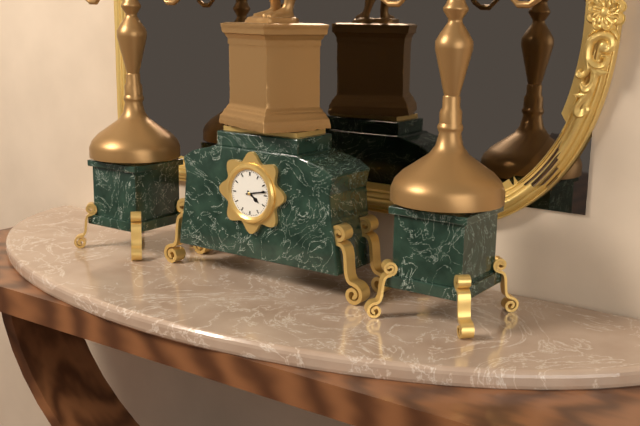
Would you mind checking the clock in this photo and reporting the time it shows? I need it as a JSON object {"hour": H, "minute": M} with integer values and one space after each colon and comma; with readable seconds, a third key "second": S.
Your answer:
{"hour": 4, "minute": 13}
